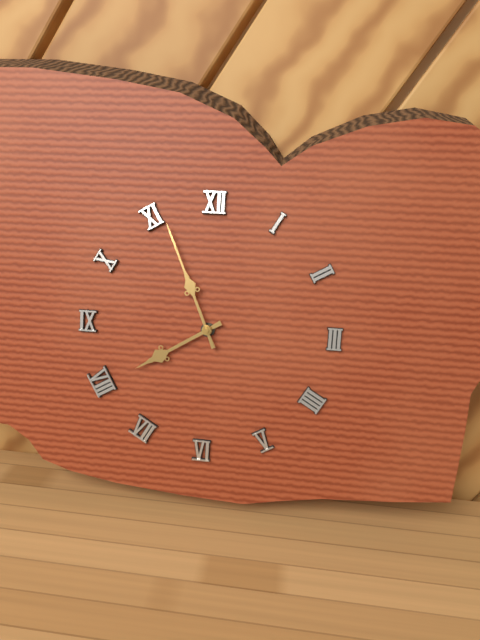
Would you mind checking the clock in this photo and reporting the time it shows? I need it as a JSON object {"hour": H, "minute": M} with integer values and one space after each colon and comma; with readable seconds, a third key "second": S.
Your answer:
{"hour": 7, "minute": 56}
